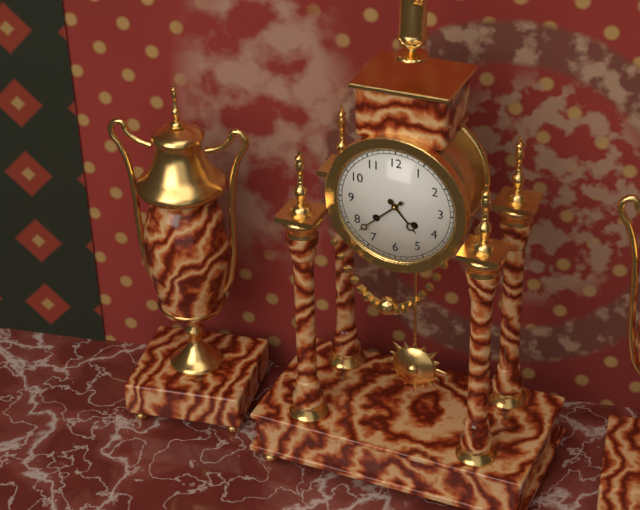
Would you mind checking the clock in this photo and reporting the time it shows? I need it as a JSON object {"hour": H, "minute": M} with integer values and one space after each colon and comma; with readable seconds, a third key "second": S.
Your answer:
{"hour": 4, "minute": 38}
